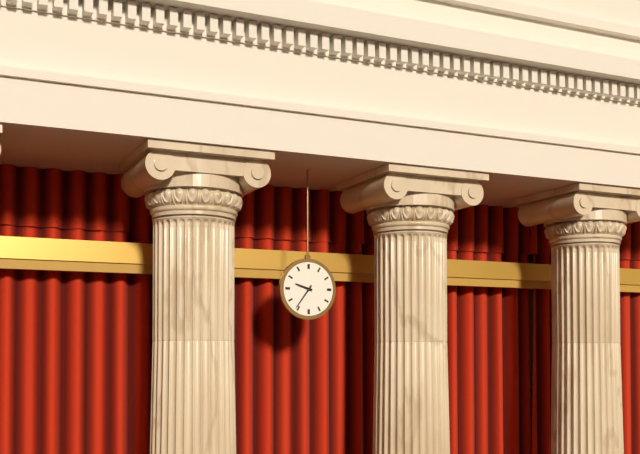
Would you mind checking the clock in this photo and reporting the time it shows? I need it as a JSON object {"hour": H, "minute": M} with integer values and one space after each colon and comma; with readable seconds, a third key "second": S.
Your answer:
{"hour": 9, "minute": 36}
